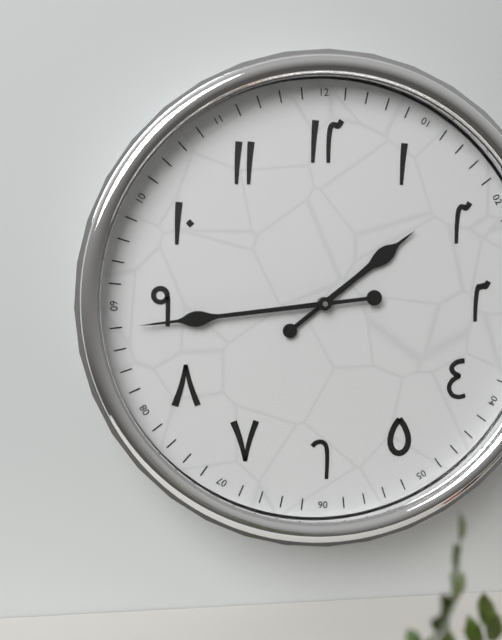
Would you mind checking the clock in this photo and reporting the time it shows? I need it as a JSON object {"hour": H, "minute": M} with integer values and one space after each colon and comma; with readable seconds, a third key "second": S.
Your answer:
{"hour": 1, "minute": 44}
